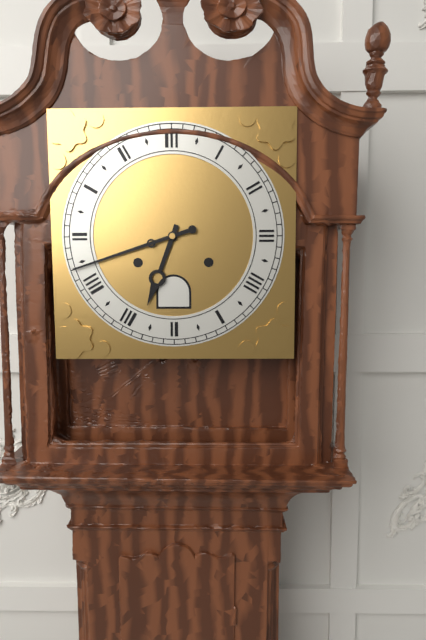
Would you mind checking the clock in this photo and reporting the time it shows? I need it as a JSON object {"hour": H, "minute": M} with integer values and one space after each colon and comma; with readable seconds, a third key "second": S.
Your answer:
{"hour": 6, "minute": 42}
